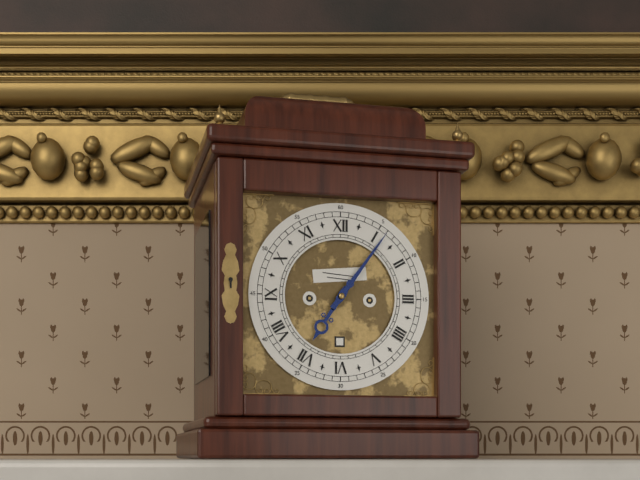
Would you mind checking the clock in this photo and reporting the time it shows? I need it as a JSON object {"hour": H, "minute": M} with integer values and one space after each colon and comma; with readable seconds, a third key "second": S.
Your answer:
{"hour": 7, "minute": 6}
